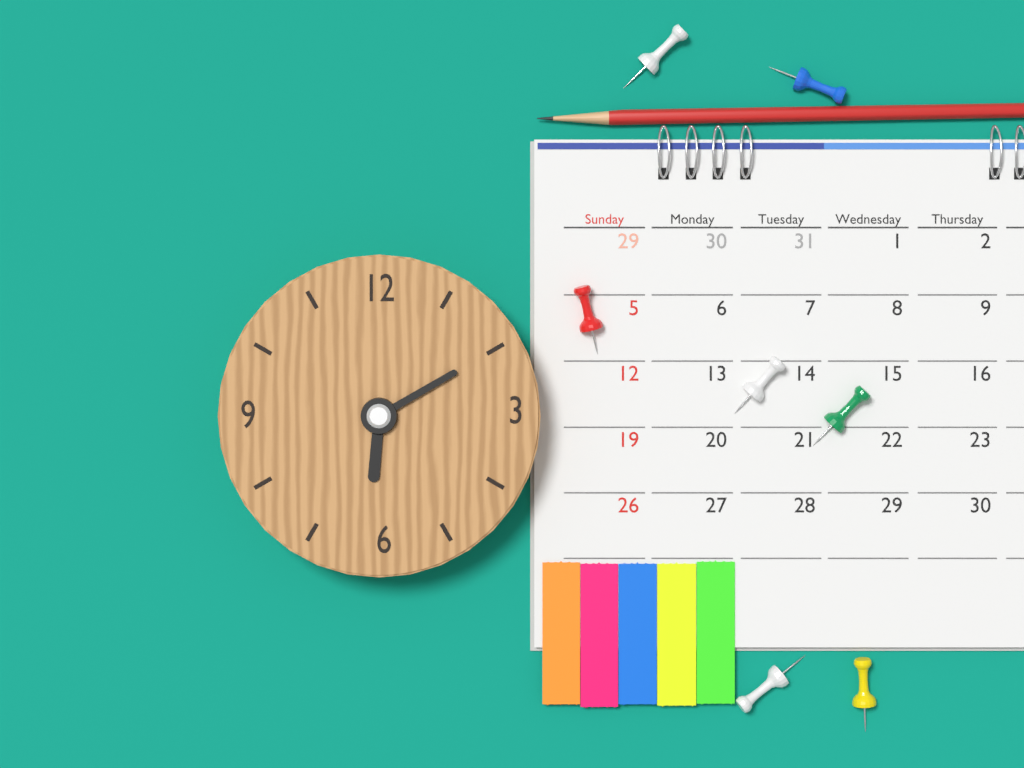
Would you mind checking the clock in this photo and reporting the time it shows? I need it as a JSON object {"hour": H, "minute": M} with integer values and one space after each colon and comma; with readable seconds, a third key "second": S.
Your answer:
{"hour": 6, "minute": 10}
